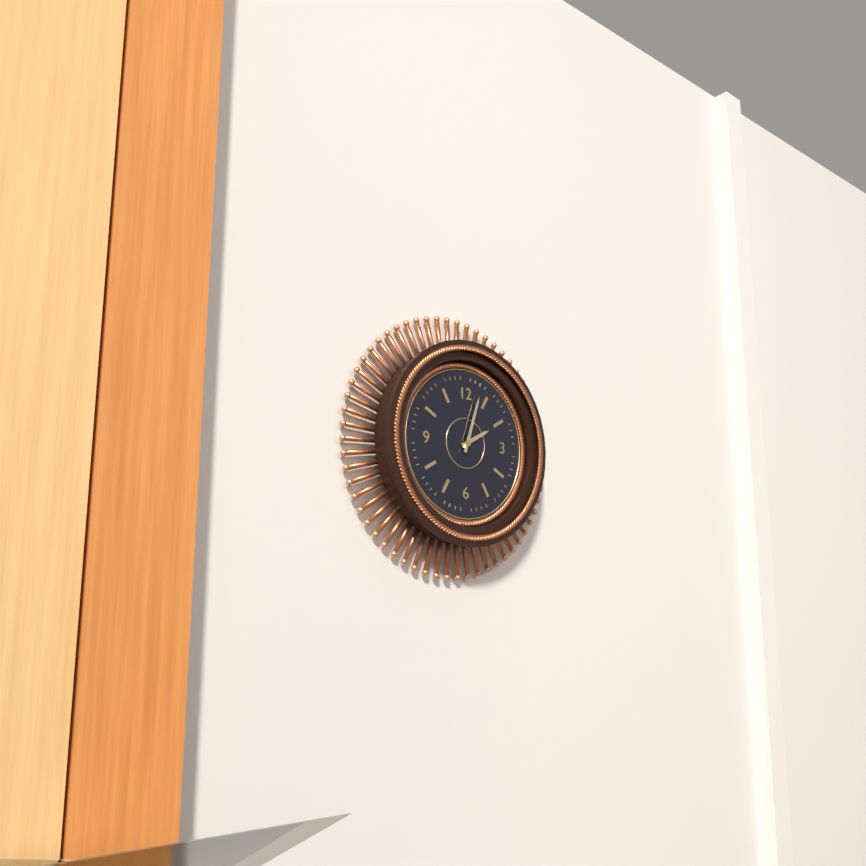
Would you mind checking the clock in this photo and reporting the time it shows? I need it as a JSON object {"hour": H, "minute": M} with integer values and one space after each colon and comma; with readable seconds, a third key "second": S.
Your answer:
{"hour": 2, "minute": 3}
